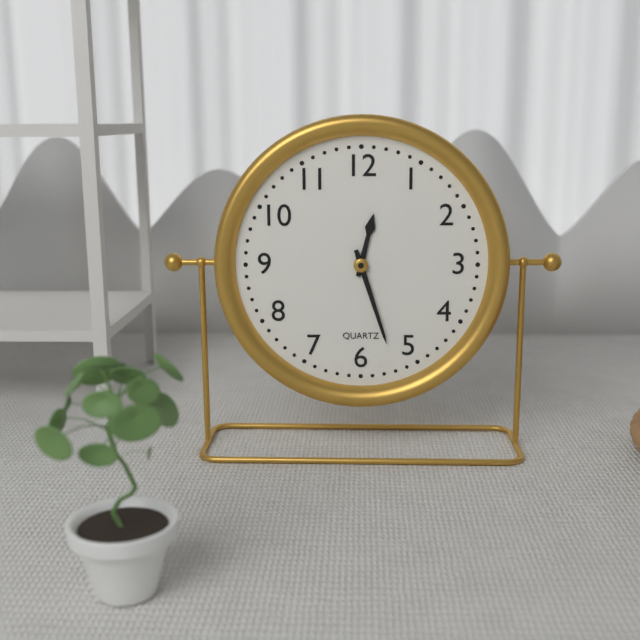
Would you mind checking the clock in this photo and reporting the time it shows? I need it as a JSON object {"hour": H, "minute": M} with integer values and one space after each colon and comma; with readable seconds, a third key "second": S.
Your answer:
{"hour": 12, "minute": 27}
